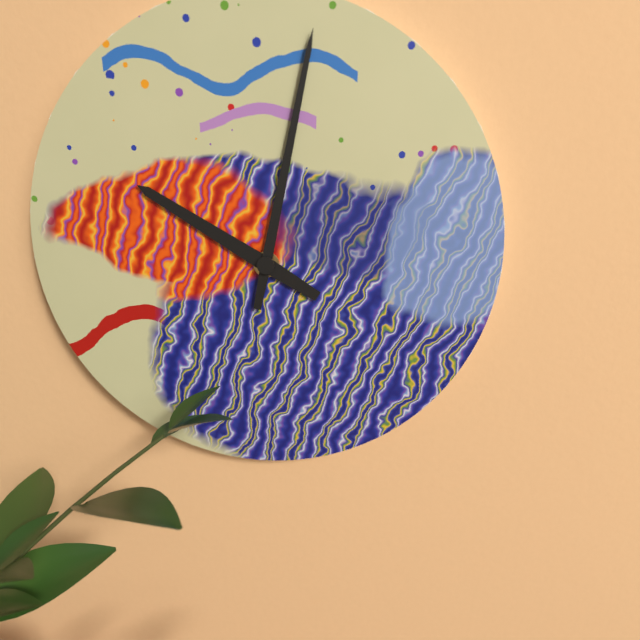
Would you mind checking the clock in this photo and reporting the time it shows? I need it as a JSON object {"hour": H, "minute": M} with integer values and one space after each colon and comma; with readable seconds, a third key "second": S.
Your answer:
{"hour": 10, "minute": 2}
